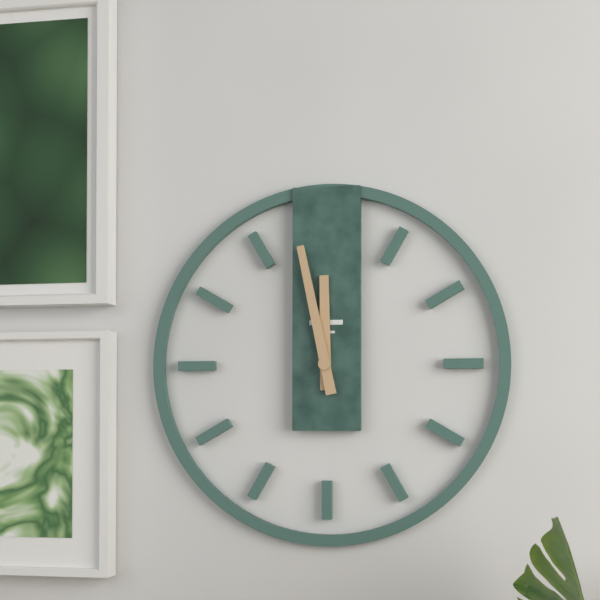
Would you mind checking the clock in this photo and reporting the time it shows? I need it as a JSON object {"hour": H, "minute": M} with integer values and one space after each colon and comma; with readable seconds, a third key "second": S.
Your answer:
{"hour": 11, "minute": 58}
